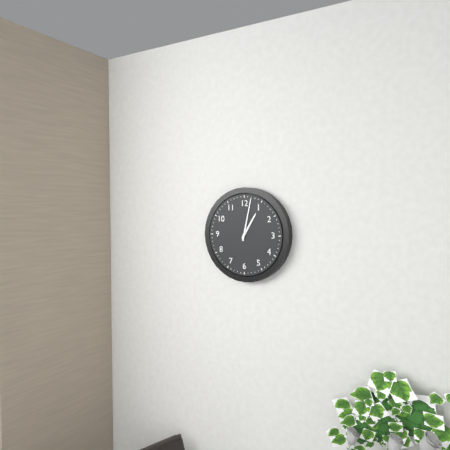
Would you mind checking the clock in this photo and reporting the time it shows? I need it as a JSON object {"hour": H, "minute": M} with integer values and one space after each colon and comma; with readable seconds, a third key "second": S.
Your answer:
{"hour": 1, "minute": 2}
